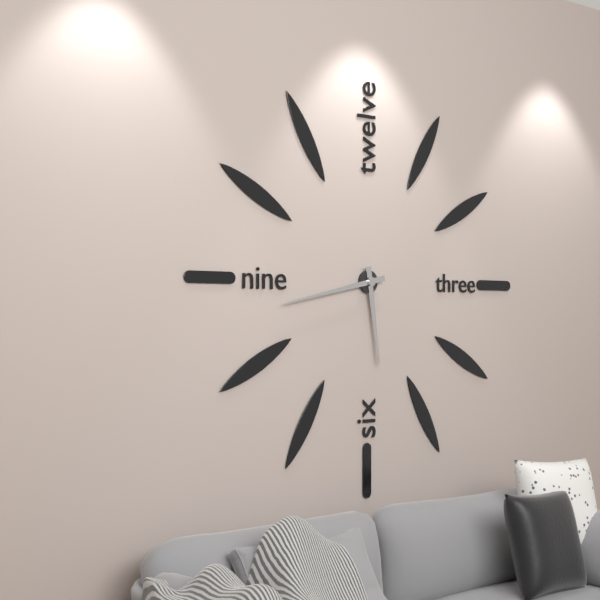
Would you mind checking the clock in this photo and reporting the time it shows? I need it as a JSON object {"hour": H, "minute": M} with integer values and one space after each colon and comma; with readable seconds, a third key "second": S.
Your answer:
{"hour": 5, "minute": 43}
